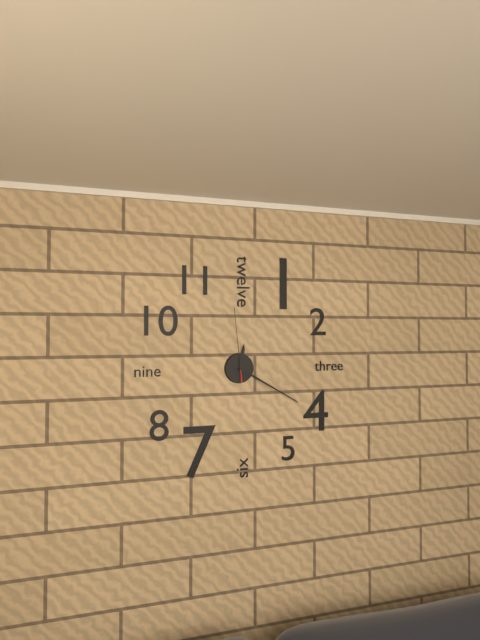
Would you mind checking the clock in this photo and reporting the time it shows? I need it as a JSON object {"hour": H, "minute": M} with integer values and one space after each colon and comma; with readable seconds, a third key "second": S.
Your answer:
{"hour": 12, "minute": 20, "second": 59}
